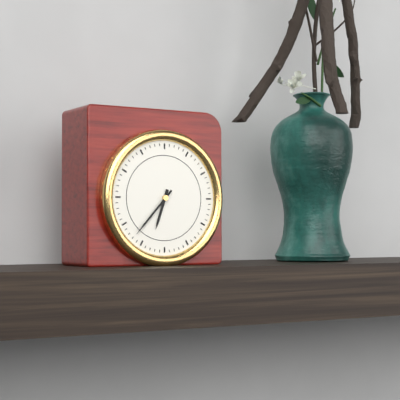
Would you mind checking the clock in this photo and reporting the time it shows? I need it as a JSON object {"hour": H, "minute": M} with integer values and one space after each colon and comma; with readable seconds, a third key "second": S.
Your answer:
{"hour": 6, "minute": 37}
